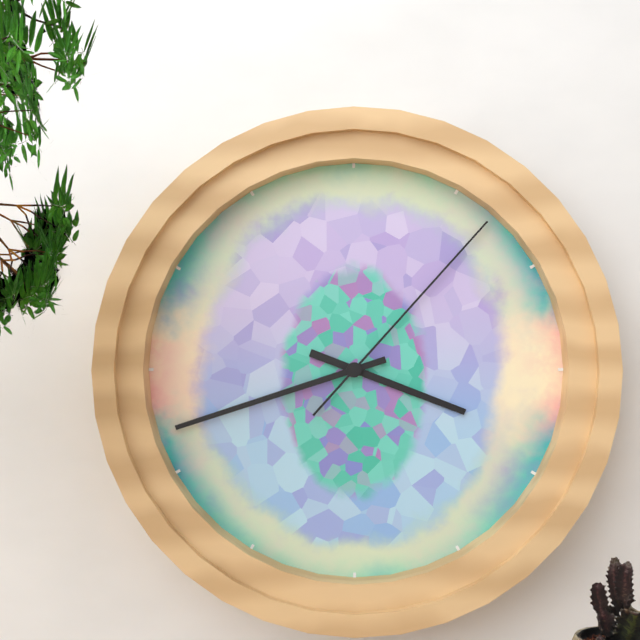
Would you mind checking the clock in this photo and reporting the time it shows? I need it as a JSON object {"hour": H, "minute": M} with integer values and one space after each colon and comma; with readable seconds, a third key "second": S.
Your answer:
{"hour": 3, "minute": 42, "second": 7}
